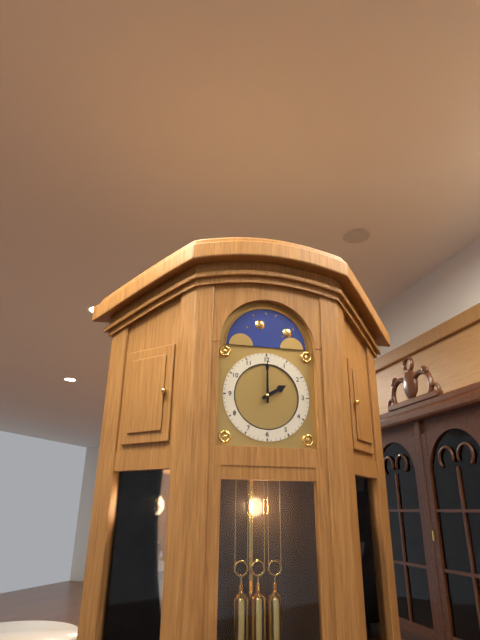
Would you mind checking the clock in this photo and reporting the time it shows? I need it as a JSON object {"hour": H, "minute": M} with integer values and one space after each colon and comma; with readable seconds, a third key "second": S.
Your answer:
{"hour": 2, "minute": 0}
